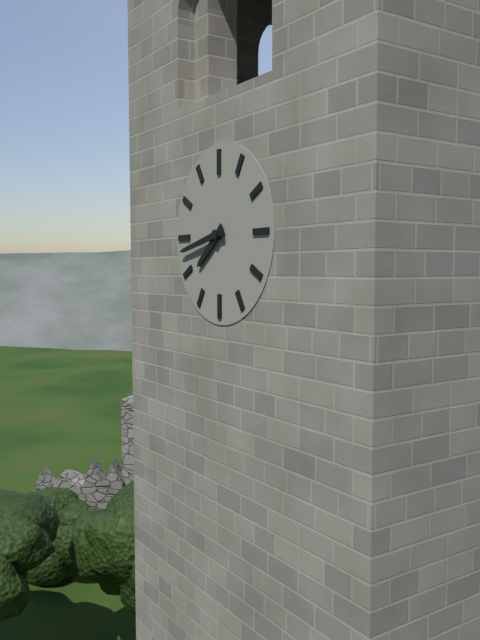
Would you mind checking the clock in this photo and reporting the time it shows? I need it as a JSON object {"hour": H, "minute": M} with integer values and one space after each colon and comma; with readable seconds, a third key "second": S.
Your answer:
{"hour": 7, "minute": 43}
